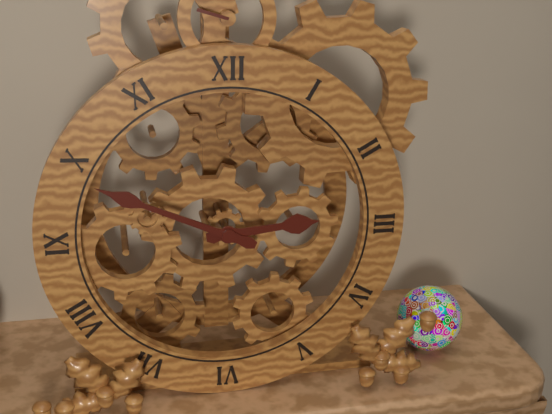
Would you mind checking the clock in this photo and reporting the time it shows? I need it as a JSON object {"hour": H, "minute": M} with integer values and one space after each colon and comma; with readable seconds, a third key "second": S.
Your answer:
{"hour": 2, "minute": 49}
